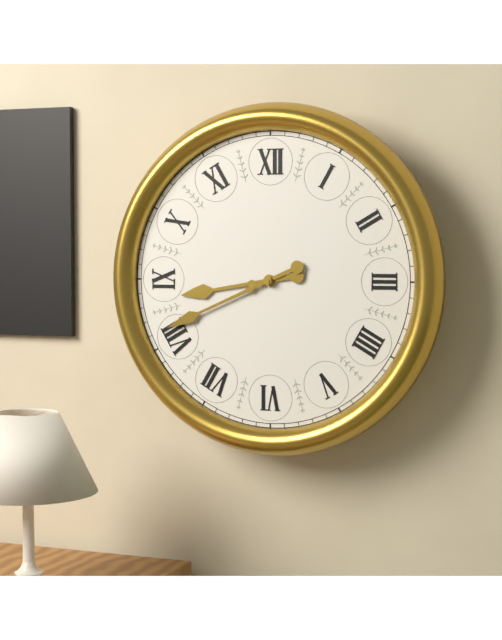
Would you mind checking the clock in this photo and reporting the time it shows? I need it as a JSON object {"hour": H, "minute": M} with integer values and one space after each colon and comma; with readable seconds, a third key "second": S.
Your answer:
{"hour": 8, "minute": 41}
